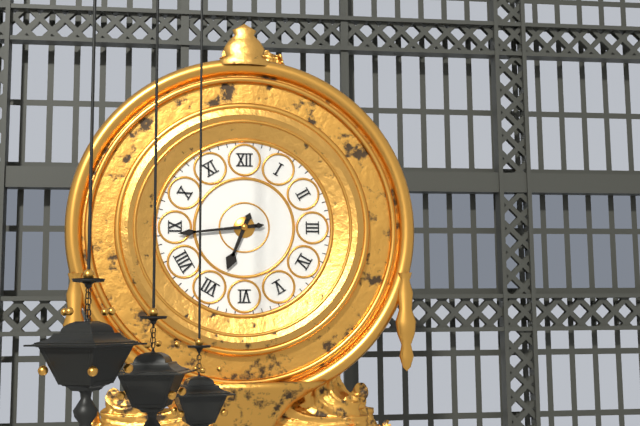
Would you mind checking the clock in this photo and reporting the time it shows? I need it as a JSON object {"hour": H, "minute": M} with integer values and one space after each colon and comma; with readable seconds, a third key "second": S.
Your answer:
{"hour": 6, "minute": 44}
